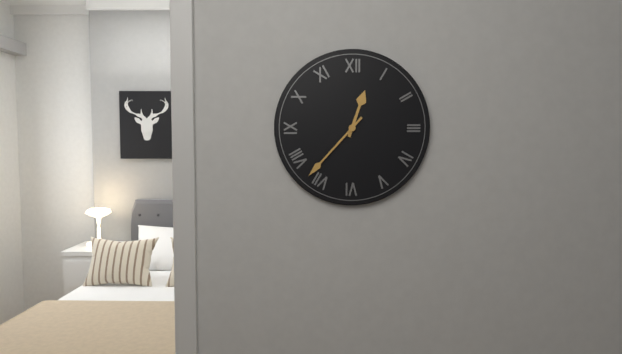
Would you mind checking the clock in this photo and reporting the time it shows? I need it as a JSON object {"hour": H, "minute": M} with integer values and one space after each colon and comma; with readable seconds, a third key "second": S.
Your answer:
{"hour": 12, "minute": 37}
